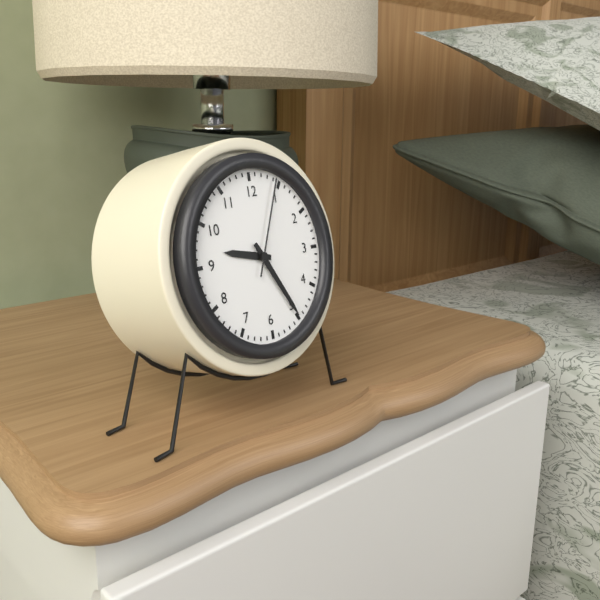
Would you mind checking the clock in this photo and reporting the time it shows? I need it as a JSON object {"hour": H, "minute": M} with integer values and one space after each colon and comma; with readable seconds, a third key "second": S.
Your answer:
{"hour": 9, "minute": 25, "second": 4}
